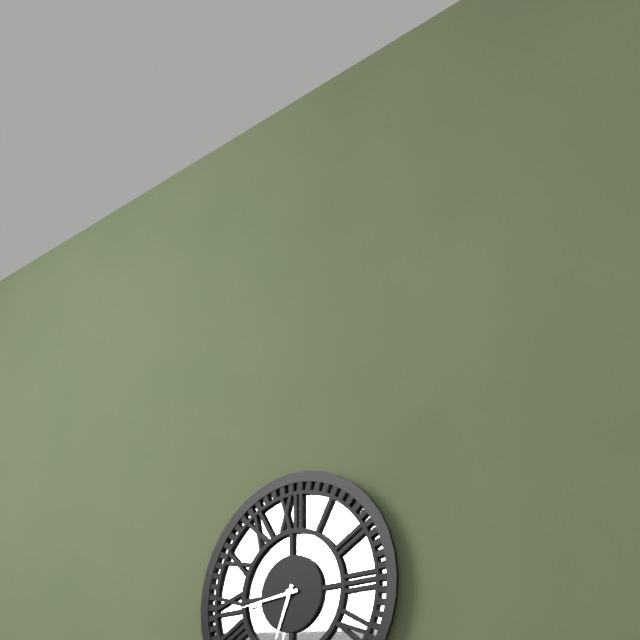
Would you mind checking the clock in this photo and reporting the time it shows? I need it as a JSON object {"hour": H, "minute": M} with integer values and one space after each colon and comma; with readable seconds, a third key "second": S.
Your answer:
{"hour": 6, "minute": 44}
